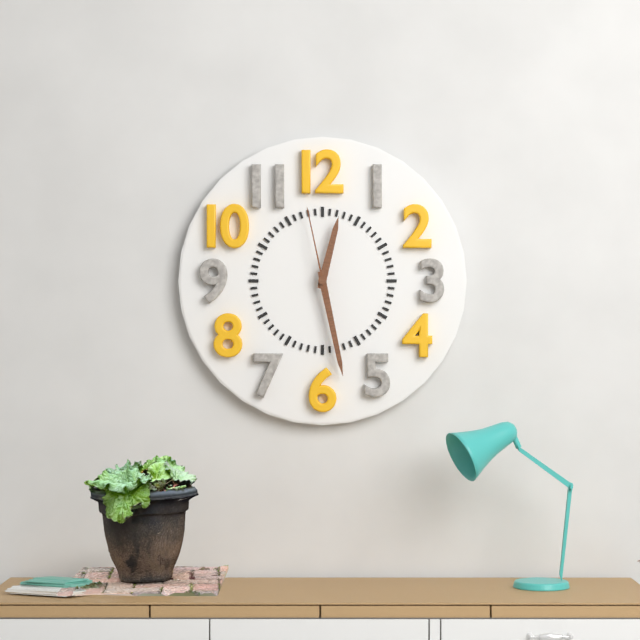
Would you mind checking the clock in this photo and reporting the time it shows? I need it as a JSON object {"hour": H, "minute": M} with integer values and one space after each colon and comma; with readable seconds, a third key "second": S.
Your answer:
{"hour": 12, "minute": 28, "second": 58}
